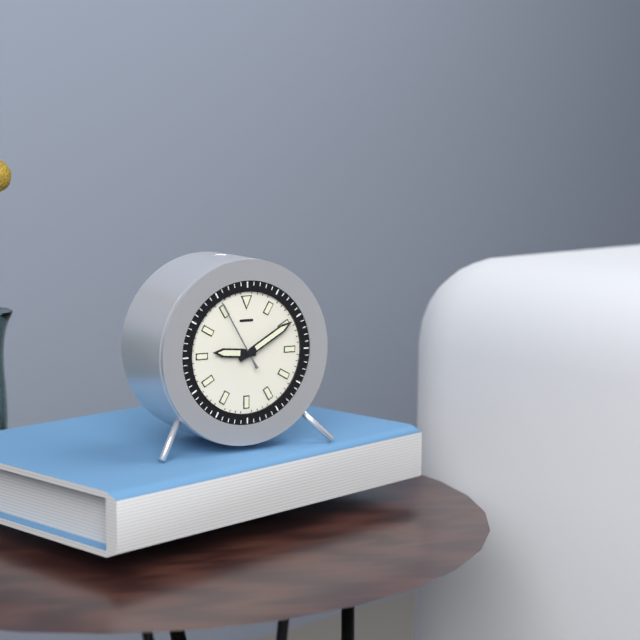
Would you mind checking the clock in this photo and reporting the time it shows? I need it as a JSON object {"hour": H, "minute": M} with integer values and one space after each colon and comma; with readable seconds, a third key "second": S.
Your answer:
{"hour": 9, "minute": 10, "second": 55}
